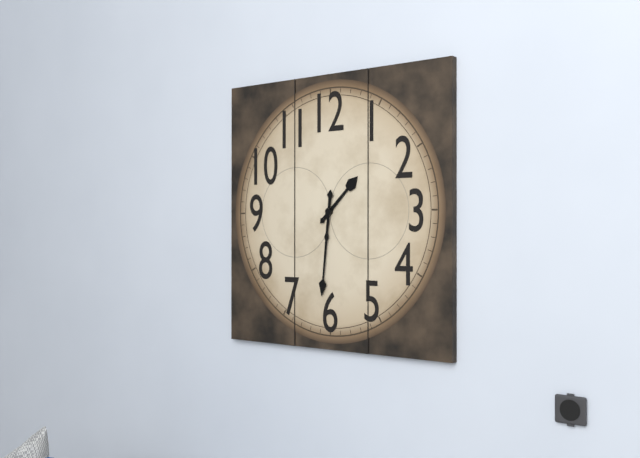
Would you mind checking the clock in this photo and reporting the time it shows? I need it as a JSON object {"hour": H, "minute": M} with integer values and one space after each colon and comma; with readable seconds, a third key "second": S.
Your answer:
{"hour": 1, "minute": 31}
